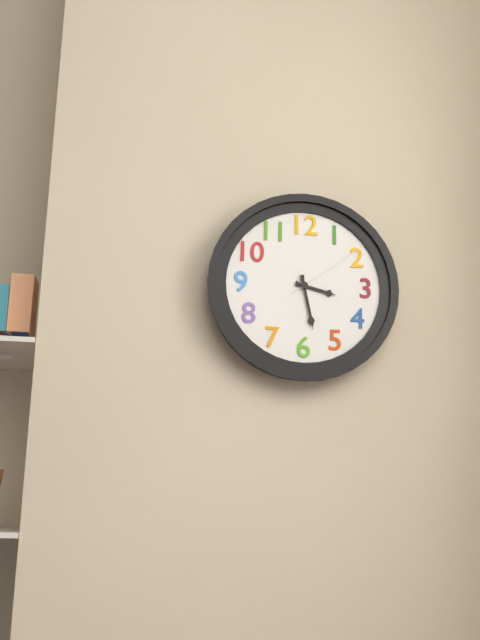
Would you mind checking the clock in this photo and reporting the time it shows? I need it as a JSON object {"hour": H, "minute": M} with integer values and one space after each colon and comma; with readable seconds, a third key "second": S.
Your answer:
{"hour": 3, "minute": 28, "second": 9}
